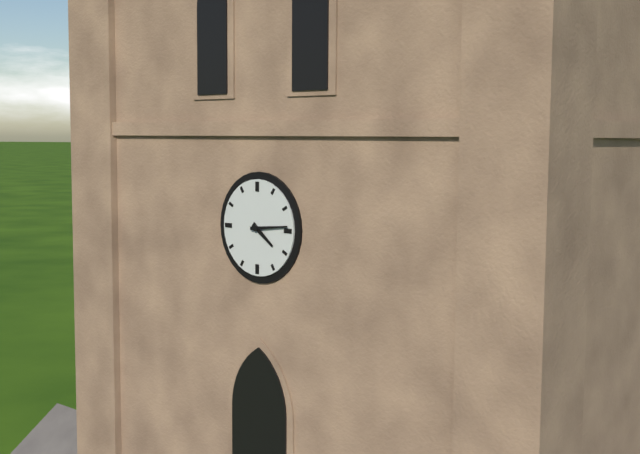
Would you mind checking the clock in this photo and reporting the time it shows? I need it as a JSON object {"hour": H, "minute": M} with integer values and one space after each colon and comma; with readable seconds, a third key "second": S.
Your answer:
{"hour": 4, "minute": 14}
